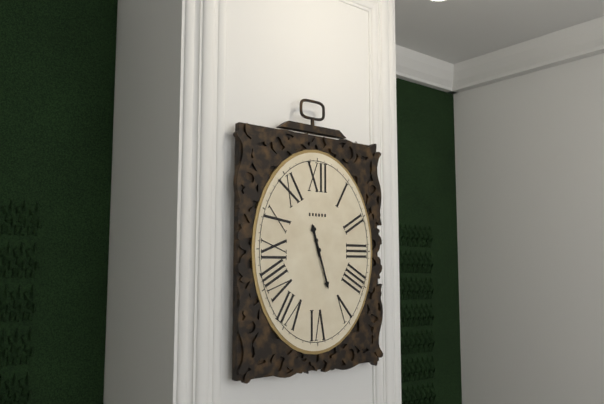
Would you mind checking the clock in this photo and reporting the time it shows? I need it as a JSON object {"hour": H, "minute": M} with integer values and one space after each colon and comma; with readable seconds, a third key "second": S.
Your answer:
{"hour": 11, "minute": 27}
